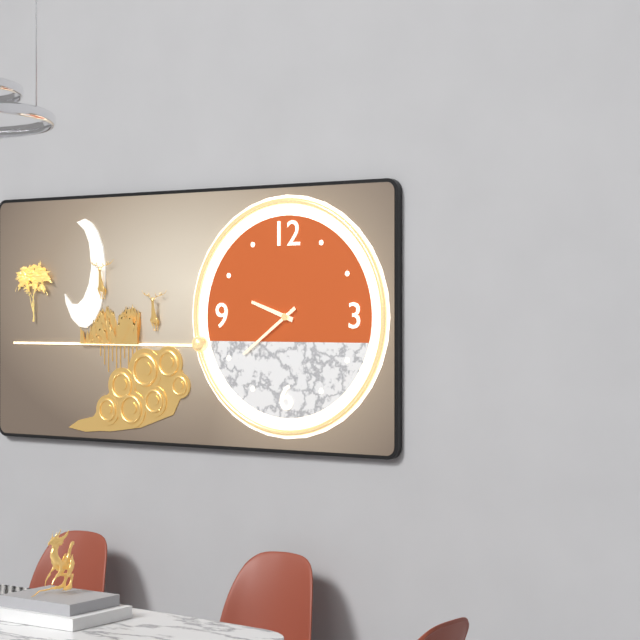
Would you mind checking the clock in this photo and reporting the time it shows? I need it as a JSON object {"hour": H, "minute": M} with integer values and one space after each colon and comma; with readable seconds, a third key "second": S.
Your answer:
{"hour": 9, "minute": 39}
